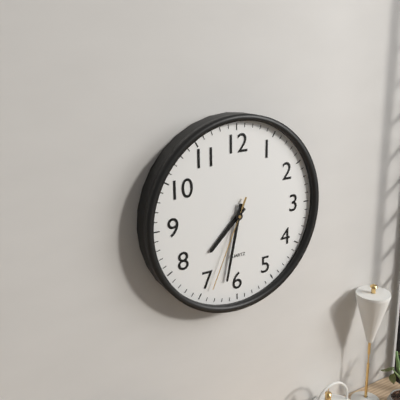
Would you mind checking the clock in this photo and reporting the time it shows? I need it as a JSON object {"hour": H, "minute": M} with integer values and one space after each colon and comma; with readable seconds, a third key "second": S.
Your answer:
{"hour": 7, "minute": 32, "second": 34}
